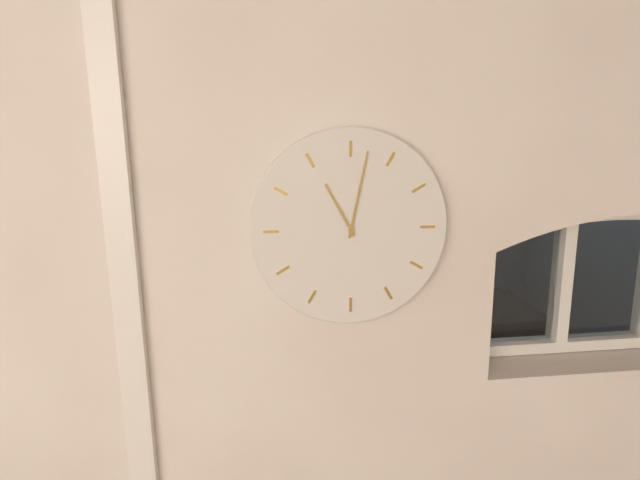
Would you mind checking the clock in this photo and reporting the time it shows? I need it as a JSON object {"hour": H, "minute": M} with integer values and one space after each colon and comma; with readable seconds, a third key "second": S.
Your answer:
{"hour": 11, "minute": 2}
